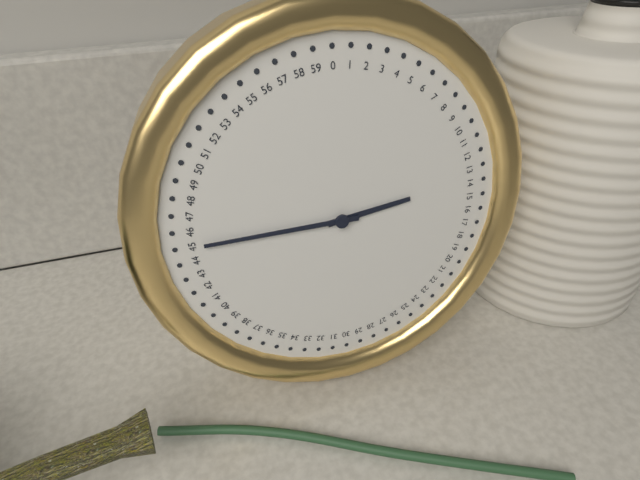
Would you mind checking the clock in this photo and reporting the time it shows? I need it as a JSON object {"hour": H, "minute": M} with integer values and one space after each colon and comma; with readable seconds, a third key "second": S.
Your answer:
{"hour": 2, "minute": 45}
